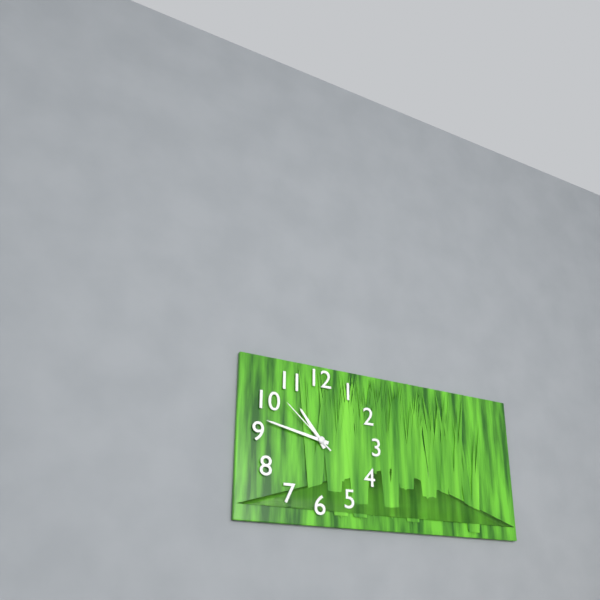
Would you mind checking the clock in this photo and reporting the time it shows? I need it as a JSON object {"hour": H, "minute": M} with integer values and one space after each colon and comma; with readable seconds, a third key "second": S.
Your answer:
{"hour": 10, "minute": 47, "second": 52}
